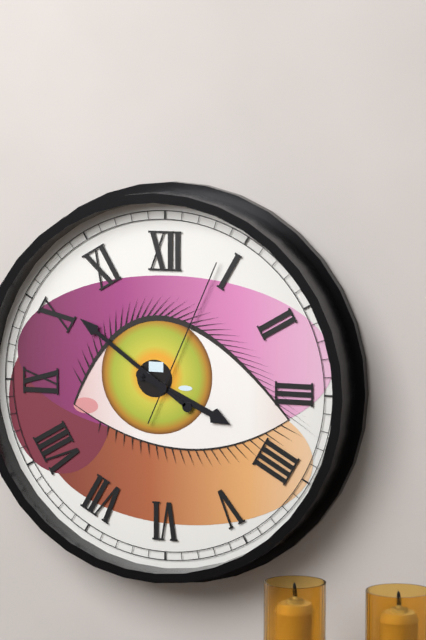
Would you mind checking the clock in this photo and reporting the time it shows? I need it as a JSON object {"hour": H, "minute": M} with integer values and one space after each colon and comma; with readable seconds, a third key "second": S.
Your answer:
{"hour": 3, "minute": 51, "second": 4}
